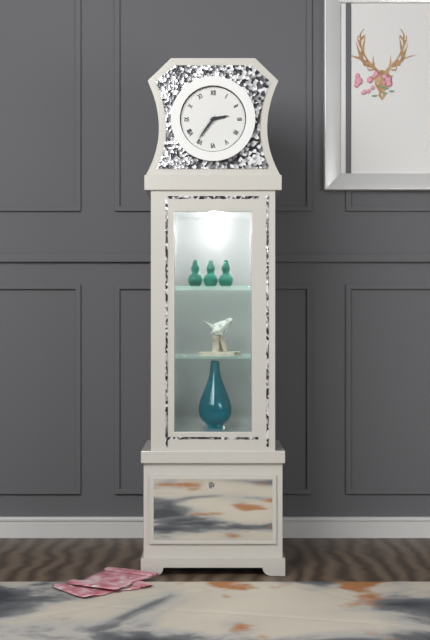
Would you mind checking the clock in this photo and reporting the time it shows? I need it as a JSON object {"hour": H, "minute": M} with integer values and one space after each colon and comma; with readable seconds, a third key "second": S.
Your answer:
{"hour": 2, "minute": 36}
